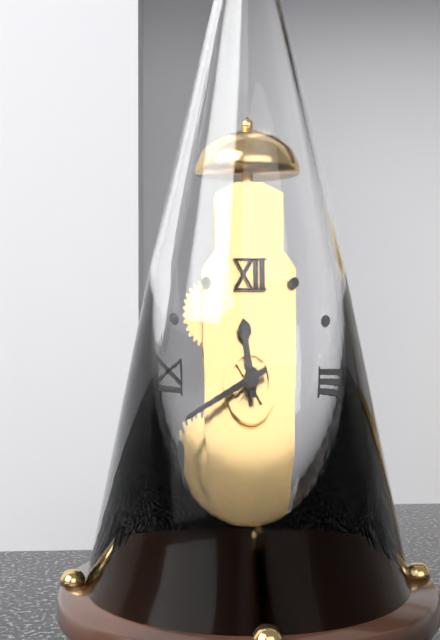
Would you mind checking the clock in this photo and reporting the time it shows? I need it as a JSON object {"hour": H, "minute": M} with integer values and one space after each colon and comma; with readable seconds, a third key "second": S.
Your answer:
{"hour": 11, "minute": 41}
